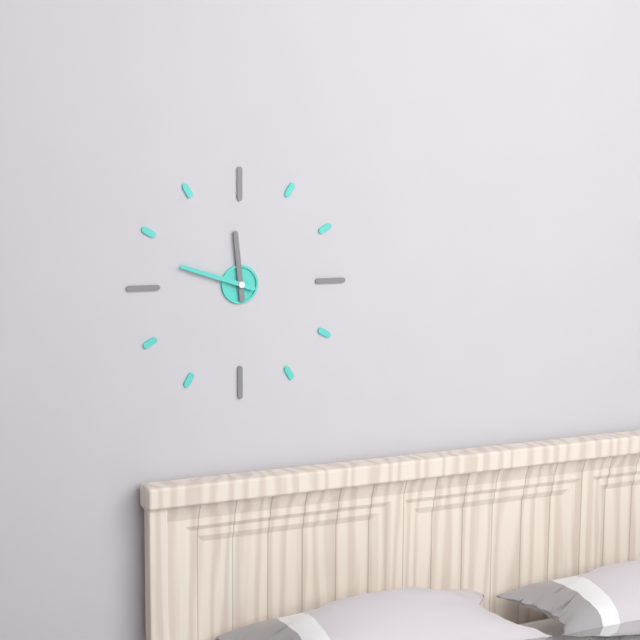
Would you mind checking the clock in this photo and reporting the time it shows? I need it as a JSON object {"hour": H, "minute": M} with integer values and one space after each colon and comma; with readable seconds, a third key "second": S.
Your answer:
{"hour": 11, "minute": 48}
